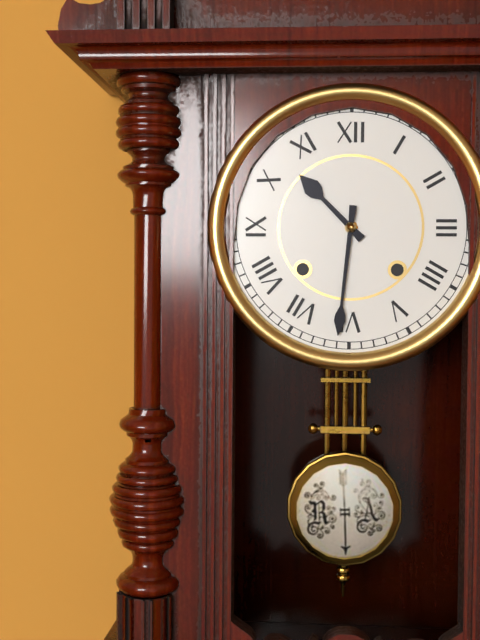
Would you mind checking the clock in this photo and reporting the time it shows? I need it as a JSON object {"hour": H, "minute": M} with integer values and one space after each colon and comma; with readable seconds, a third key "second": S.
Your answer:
{"hour": 10, "minute": 31}
